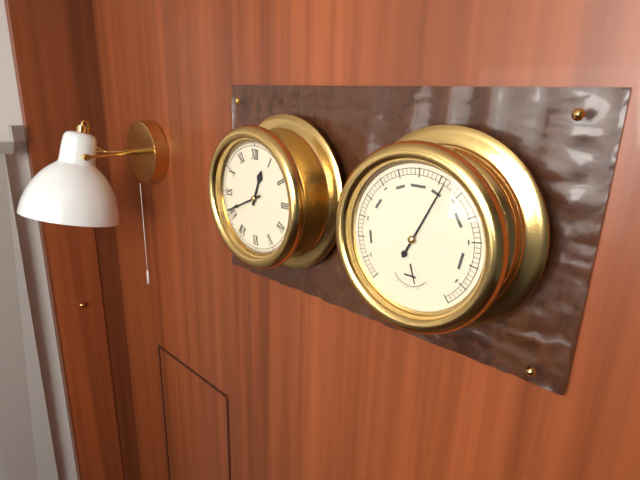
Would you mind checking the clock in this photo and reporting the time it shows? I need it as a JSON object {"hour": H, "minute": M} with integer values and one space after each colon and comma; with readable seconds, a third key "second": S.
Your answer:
{"hour": 12, "minute": 41}
